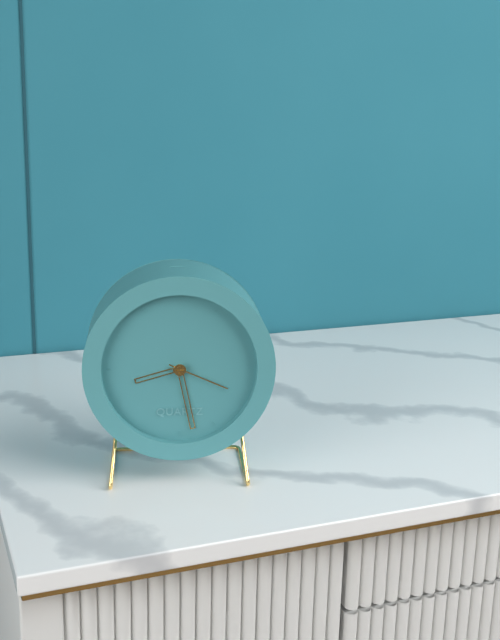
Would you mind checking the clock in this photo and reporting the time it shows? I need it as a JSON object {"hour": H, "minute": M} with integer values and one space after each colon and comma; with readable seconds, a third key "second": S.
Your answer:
{"hour": 8, "minute": 28, "second": 19}
